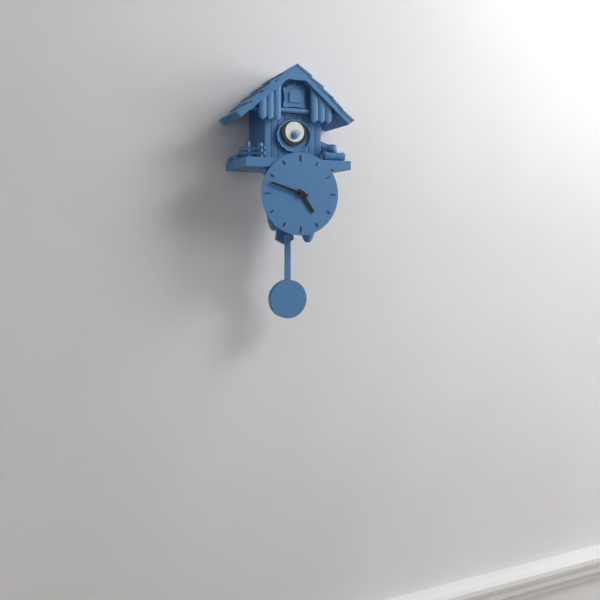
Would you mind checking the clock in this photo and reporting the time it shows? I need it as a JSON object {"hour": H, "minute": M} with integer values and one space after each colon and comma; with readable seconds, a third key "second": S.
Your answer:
{"hour": 4, "minute": 48}
